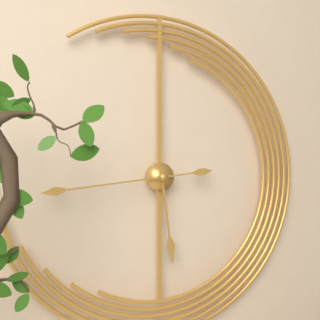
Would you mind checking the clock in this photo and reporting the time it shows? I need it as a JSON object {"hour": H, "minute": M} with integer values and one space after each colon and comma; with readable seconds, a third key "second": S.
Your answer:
{"hour": 5, "minute": 44}
